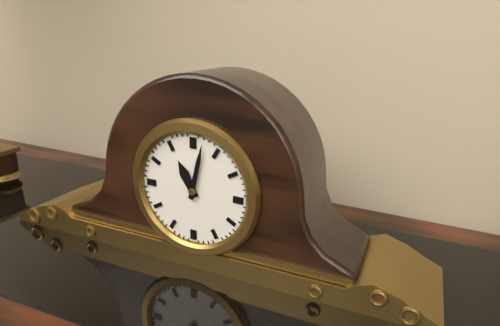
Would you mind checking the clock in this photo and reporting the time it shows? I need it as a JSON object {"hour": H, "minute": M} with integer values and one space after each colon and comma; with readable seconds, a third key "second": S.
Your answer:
{"hour": 11, "minute": 2}
